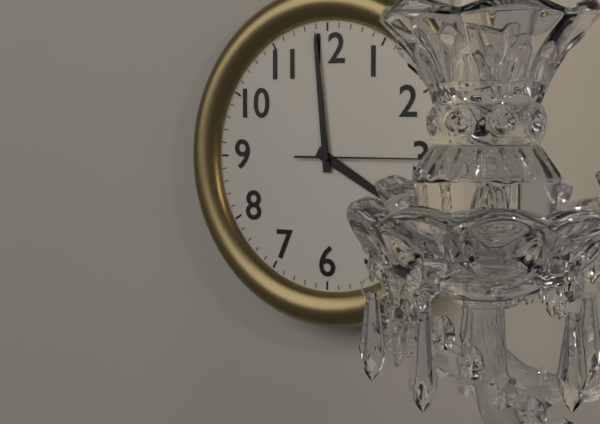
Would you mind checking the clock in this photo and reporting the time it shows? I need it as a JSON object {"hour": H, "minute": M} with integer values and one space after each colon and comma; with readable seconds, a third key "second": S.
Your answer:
{"hour": 3, "minute": 59, "second": 15}
